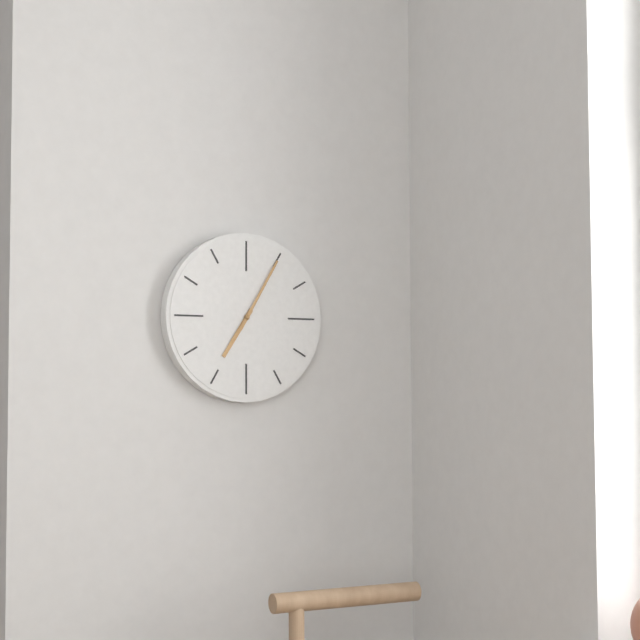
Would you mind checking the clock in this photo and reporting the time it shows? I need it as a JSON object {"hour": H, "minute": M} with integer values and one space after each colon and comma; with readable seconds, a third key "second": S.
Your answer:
{"hour": 7, "minute": 5}
